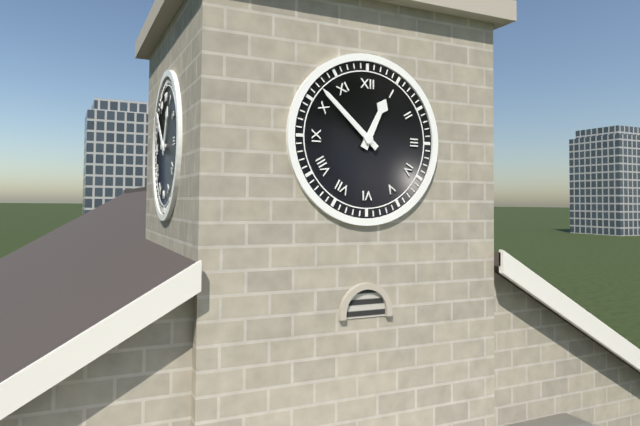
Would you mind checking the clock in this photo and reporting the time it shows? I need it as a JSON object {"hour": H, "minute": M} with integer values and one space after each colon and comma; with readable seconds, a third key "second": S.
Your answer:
{"hour": 12, "minute": 52}
